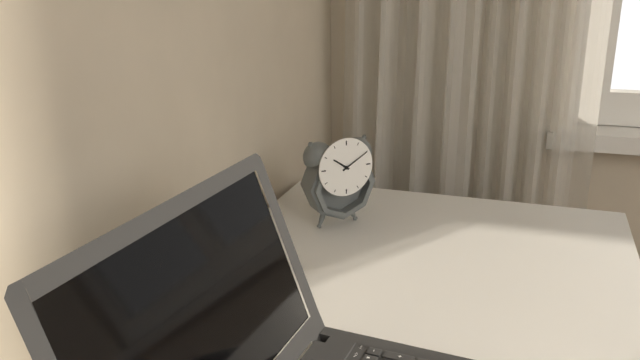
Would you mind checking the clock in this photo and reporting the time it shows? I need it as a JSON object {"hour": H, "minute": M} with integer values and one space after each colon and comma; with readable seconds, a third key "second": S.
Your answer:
{"hour": 10, "minute": 10}
